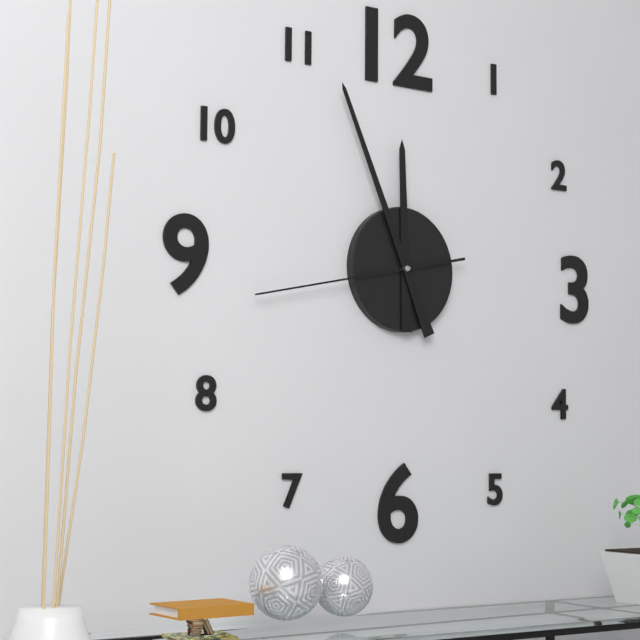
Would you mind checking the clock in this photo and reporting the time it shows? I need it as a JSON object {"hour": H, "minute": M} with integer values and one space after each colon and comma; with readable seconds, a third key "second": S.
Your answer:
{"hour": 11, "minute": 56, "second": 43}
